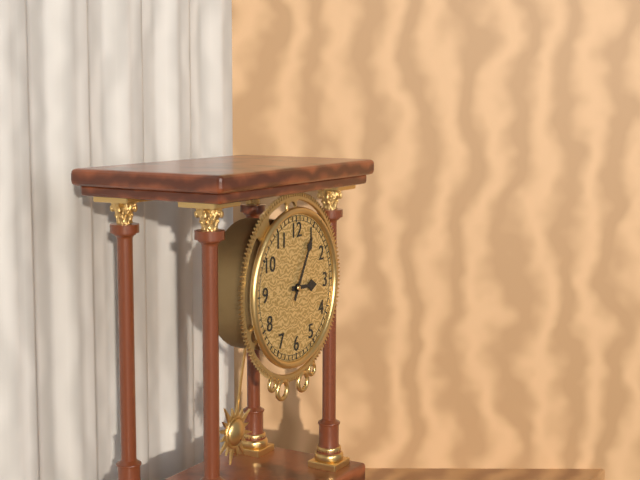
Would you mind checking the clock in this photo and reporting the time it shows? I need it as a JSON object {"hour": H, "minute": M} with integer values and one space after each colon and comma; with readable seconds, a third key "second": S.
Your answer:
{"hour": 3, "minute": 5}
